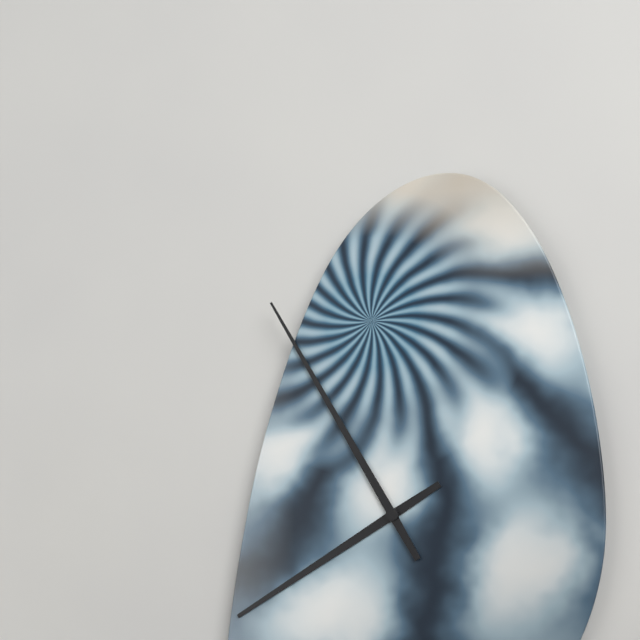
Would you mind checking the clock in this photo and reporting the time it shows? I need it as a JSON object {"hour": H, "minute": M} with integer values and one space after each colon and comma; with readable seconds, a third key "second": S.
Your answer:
{"hour": 7, "minute": 55}
